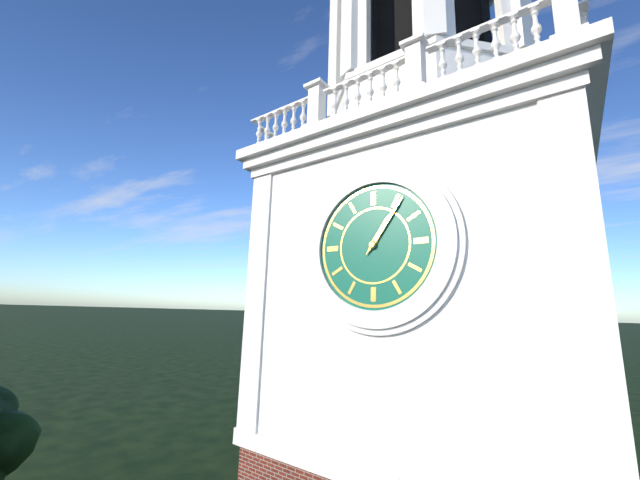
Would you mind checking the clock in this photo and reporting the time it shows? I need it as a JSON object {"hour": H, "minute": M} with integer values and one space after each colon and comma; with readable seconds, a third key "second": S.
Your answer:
{"hour": 1, "minute": 6}
